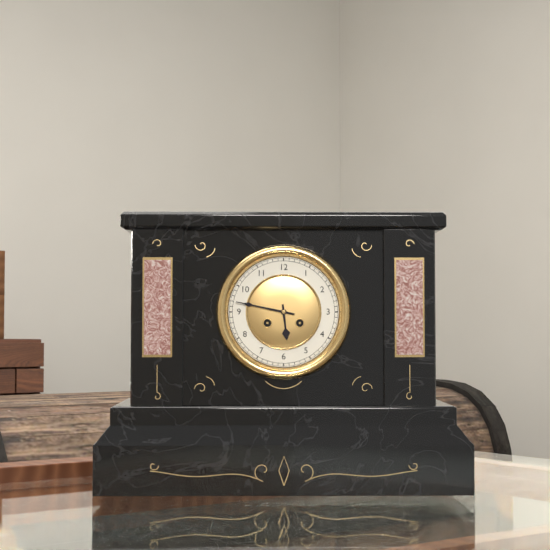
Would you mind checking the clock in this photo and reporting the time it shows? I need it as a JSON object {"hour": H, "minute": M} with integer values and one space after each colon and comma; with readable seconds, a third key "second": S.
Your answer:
{"hour": 5, "minute": 47}
